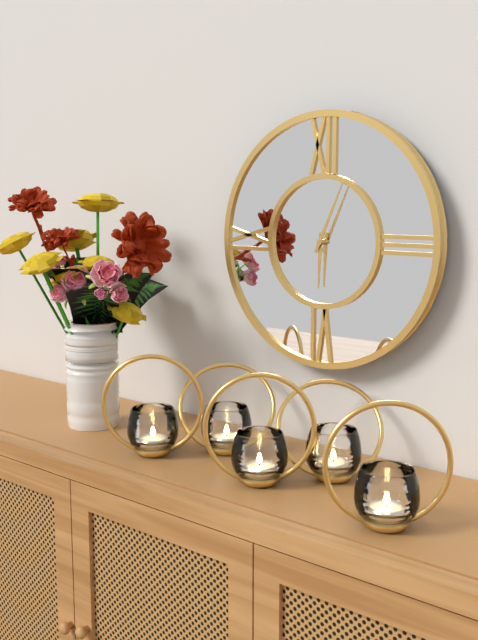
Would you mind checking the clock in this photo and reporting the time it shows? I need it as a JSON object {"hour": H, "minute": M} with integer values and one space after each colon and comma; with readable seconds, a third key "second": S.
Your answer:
{"hour": 6, "minute": 4}
